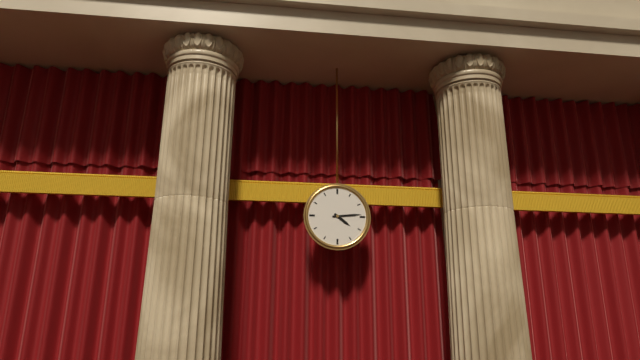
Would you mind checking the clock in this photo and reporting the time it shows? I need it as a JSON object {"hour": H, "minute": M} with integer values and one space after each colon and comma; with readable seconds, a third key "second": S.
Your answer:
{"hour": 4, "minute": 14}
